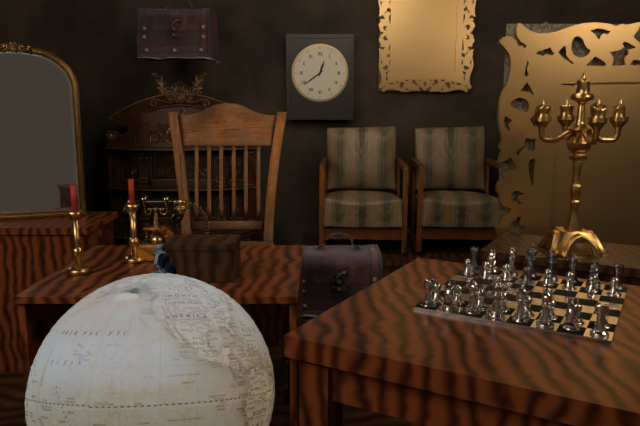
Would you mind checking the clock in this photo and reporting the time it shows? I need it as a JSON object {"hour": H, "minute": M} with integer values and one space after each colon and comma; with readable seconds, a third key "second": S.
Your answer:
{"hour": 12, "minute": 39}
